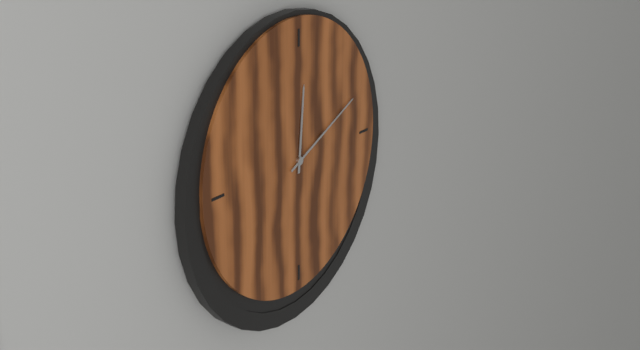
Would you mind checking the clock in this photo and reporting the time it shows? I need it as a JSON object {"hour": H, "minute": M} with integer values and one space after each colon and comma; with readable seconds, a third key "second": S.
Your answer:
{"hour": 12, "minute": 11}
